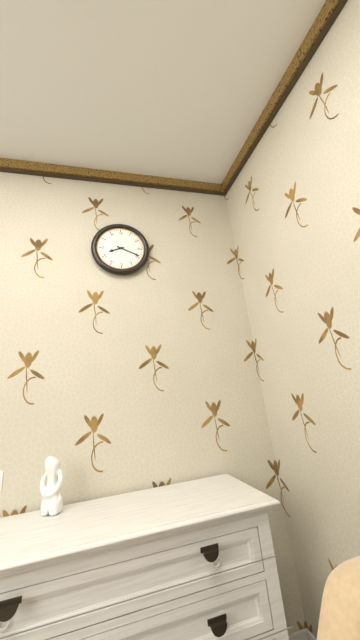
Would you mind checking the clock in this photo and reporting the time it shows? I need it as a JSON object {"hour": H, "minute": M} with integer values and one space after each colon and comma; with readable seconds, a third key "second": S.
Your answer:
{"hour": 8, "minute": 19}
